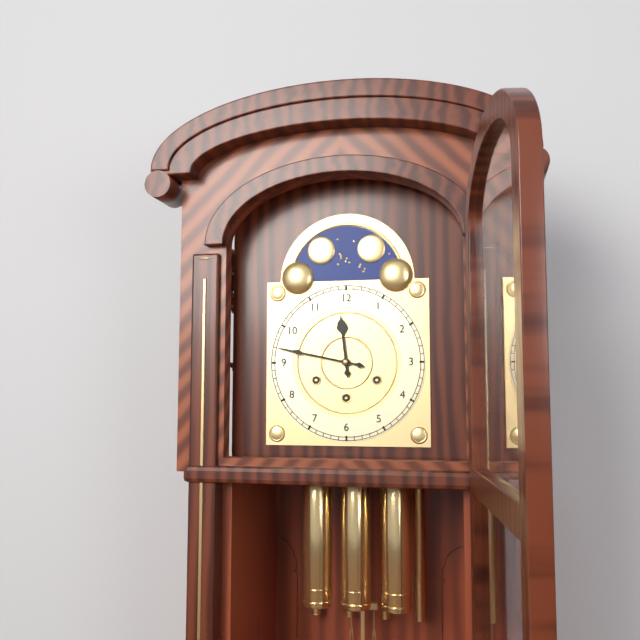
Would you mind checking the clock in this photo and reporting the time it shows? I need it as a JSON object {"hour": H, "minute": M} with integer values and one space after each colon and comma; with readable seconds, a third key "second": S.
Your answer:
{"hour": 11, "minute": 47}
